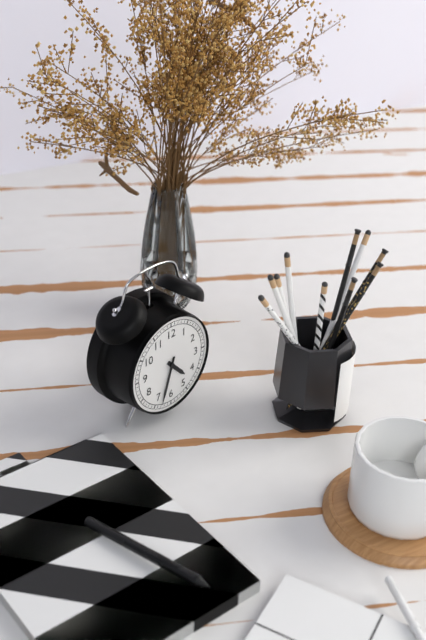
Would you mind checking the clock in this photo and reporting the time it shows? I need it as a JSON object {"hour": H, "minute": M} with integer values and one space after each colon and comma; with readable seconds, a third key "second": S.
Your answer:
{"hour": 4, "minute": 33}
